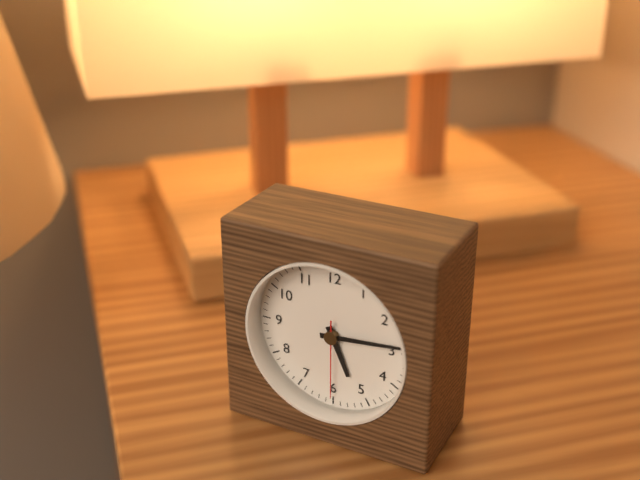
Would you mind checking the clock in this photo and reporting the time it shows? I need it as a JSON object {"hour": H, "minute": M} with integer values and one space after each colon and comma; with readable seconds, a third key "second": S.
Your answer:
{"hour": 5, "minute": 14, "second": 30}
